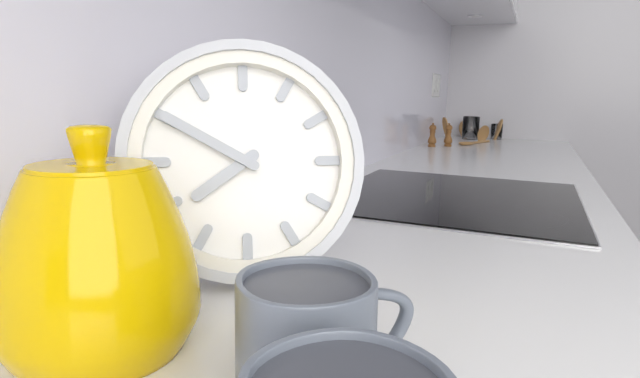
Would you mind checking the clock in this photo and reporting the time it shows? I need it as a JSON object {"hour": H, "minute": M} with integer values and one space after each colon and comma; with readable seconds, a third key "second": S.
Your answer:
{"hour": 7, "minute": 50}
